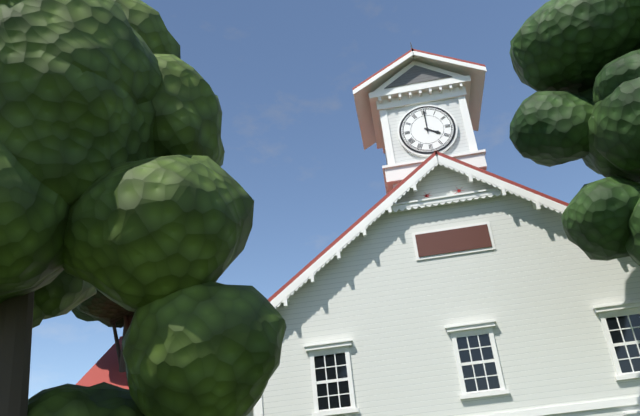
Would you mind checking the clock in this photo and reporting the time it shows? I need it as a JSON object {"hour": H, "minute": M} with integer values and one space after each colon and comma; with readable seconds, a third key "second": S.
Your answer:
{"hour": 4, "minute": 0}
